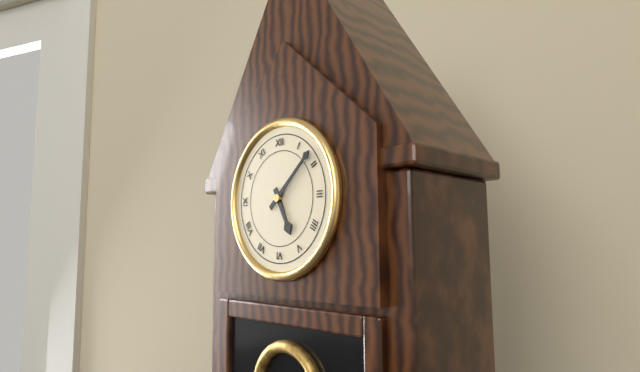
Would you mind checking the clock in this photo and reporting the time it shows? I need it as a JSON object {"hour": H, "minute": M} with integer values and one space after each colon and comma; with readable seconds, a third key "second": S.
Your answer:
{"hour": 5, "minute": 8}
